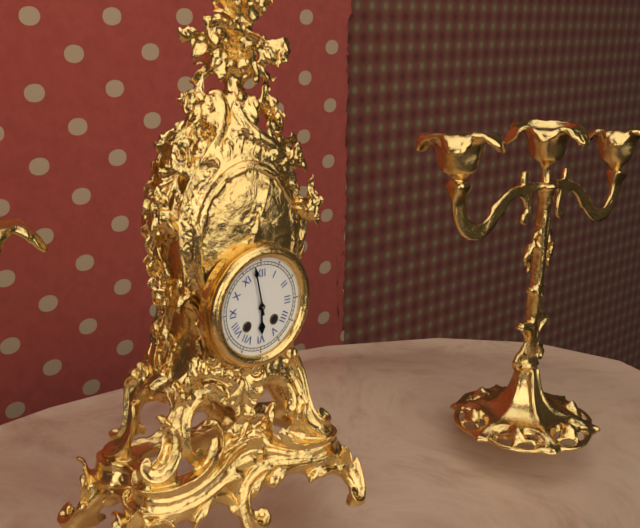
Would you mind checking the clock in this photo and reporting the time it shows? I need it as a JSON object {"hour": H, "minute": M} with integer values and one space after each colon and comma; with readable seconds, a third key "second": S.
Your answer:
{"hour": 5, "minute": 58}
